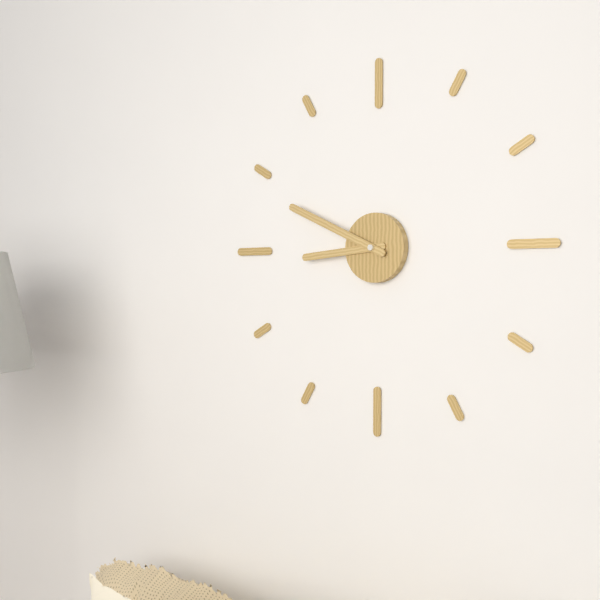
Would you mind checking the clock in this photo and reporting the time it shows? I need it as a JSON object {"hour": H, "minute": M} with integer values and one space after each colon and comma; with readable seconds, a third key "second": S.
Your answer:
{"hour": 8, "minute": 49}
